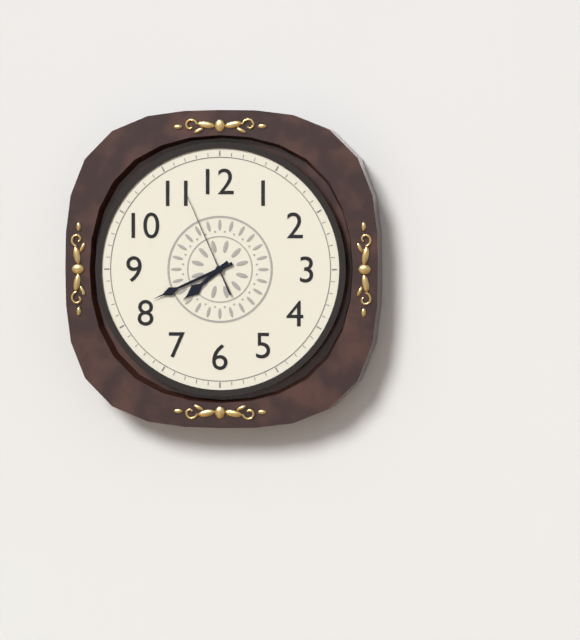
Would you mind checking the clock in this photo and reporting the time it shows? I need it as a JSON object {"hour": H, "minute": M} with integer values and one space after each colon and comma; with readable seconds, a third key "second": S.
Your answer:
{"hour": 7, "minute": 41, "second": 56}
